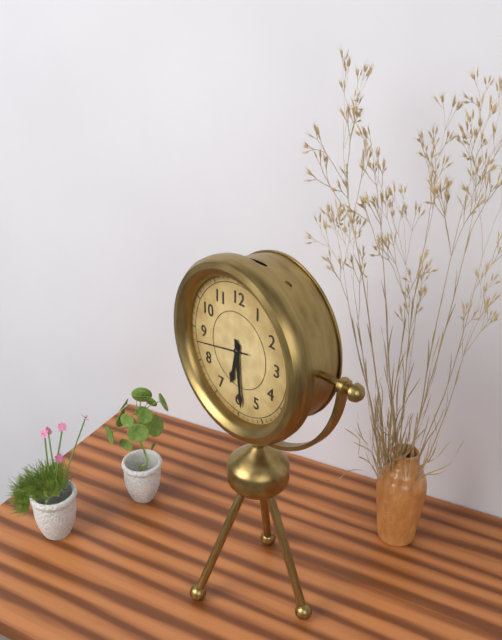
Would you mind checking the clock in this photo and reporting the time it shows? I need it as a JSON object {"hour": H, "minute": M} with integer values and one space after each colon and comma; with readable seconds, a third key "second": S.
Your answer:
{"hour": 6, "minute": 29, "second": 43}
